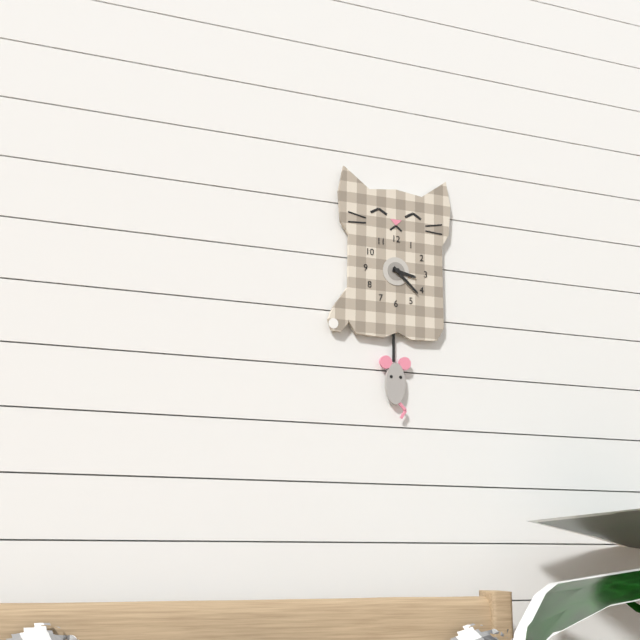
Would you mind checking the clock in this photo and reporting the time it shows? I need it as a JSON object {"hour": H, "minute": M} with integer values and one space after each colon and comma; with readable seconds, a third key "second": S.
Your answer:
{"hour": 3, "minute": 22}
